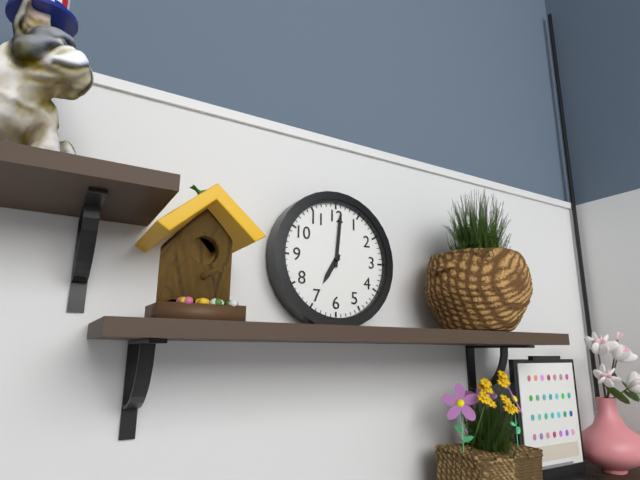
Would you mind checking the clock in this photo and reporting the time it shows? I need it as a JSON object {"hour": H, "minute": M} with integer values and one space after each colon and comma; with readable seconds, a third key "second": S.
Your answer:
{"hour": 7, "minute": 1}
